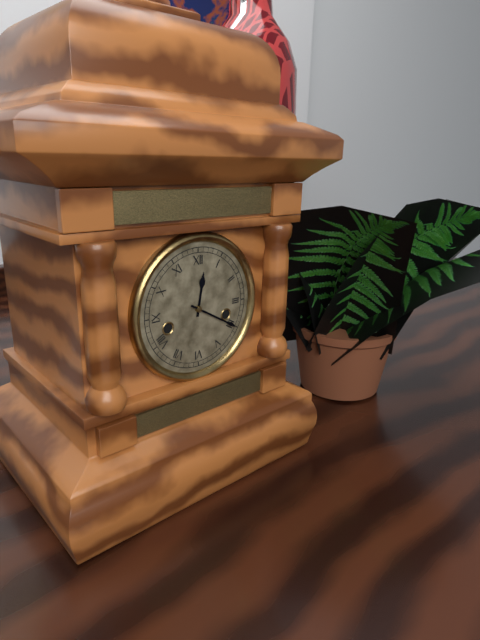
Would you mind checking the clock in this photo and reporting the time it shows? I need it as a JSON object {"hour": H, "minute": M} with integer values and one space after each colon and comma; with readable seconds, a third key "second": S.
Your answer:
{"hour": 12, "minute": 20}
